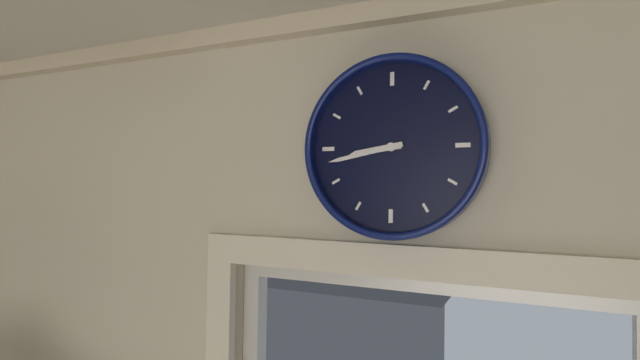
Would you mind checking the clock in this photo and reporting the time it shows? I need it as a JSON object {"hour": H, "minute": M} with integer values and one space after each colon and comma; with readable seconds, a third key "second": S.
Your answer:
{"hour": 8, "minute": 43}
